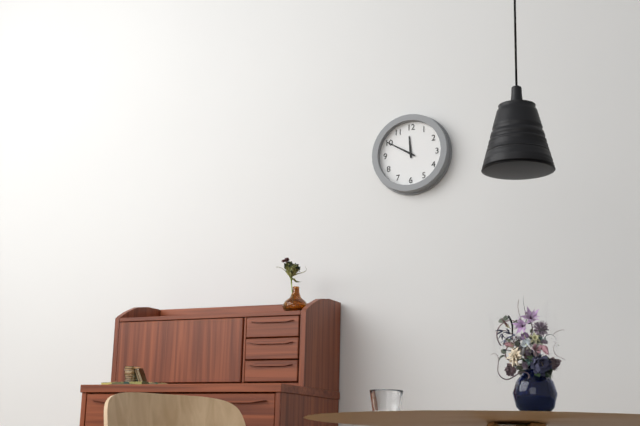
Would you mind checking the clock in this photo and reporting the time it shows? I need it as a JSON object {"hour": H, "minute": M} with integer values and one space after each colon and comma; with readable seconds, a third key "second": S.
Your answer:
{"hour": 11, "minute": 50}
